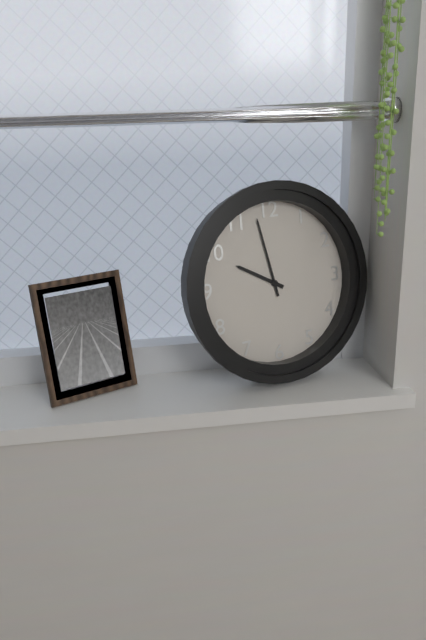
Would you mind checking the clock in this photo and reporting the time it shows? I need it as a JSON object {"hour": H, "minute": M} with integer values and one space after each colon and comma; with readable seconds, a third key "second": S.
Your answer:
{"hour": 9, "minute": 58}
